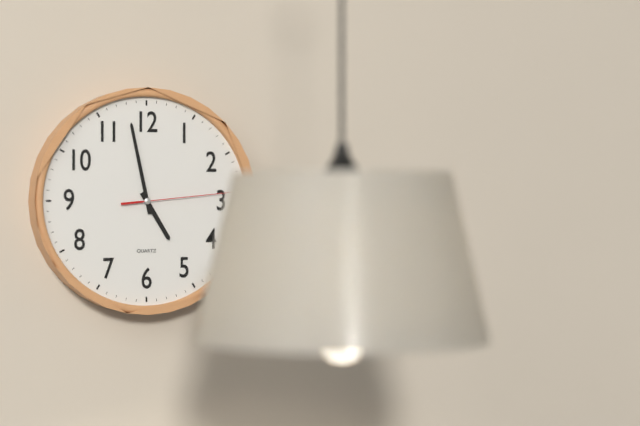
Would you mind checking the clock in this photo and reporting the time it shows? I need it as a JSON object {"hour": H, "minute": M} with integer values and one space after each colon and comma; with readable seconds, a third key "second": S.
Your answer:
{"hour": 4, "minute": 58, "second": 14}
